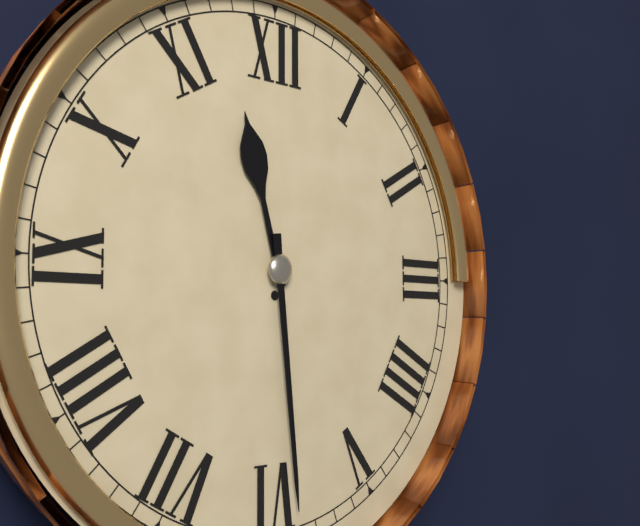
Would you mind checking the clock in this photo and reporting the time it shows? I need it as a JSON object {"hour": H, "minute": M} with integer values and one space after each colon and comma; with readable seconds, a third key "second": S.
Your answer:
{"hour": 11, "minute": 29}
